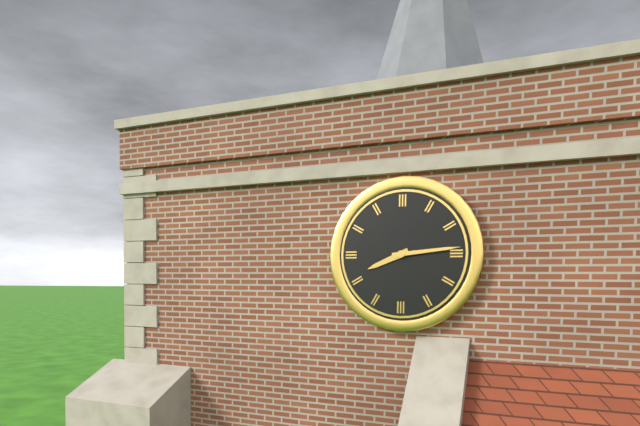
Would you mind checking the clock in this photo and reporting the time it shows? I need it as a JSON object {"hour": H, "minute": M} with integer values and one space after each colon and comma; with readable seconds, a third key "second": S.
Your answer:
{"hour": 8, "minute": 14}
